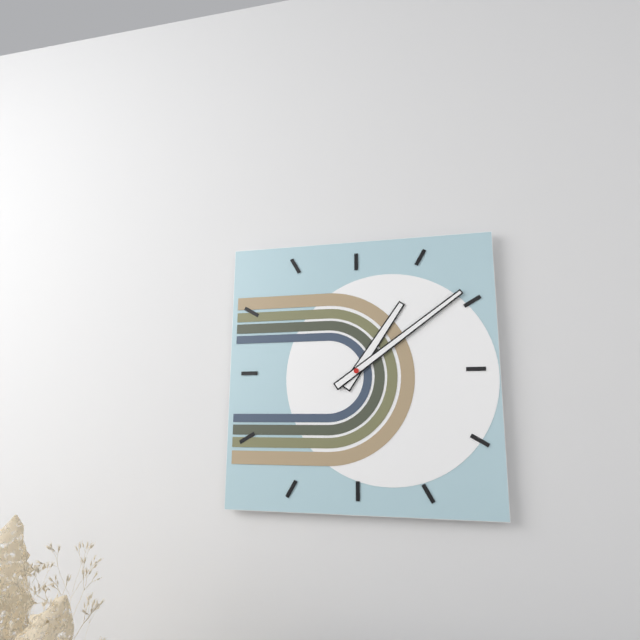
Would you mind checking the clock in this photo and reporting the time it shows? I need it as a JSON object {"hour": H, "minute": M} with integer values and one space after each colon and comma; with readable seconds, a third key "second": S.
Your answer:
{"hour": 1, "minute": 9}
